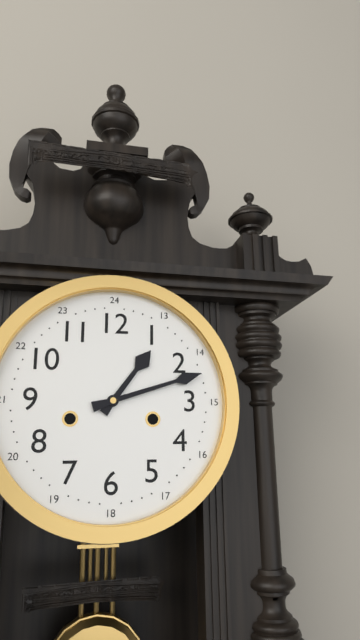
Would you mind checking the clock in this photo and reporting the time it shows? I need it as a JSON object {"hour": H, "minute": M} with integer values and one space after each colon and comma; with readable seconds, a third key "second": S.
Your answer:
{"hour": 1, "minute": 12}
